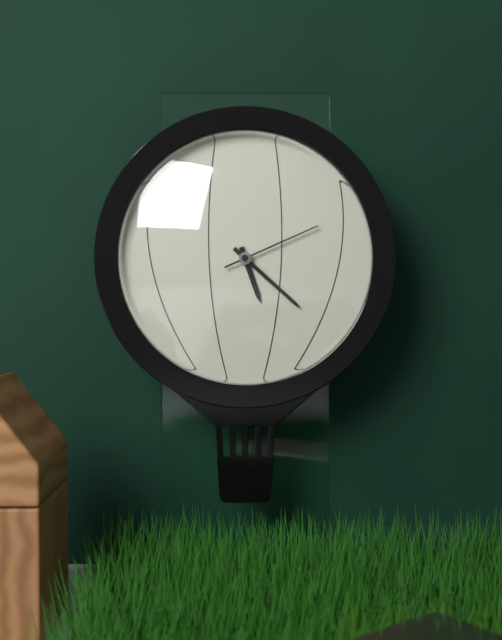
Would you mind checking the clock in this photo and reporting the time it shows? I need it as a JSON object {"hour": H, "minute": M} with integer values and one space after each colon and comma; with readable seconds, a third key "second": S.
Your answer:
{"hour": 5, "minute": 22, "second": 11}
